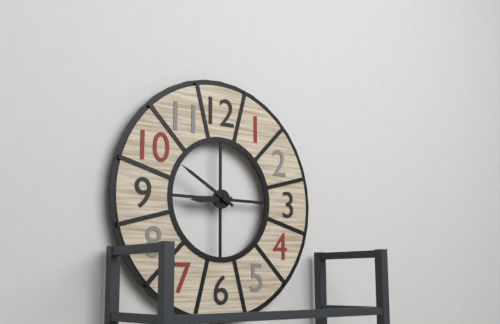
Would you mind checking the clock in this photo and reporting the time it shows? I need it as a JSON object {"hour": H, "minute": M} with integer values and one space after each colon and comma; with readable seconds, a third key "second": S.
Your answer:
{"hour": 8, "minute": 50}
